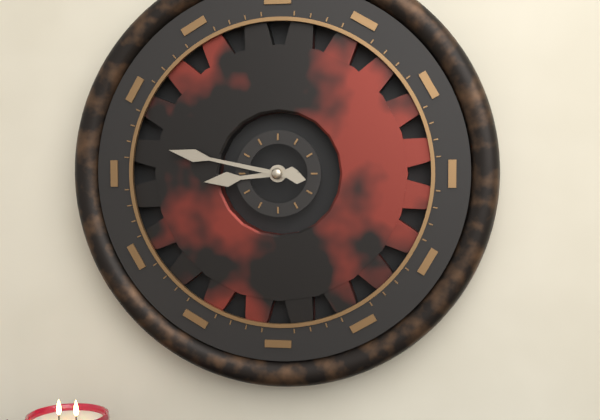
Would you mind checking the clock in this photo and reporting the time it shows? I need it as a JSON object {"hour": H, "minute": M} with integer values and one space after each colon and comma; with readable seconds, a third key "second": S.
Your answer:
{"hour": 8, "minute": 47}
